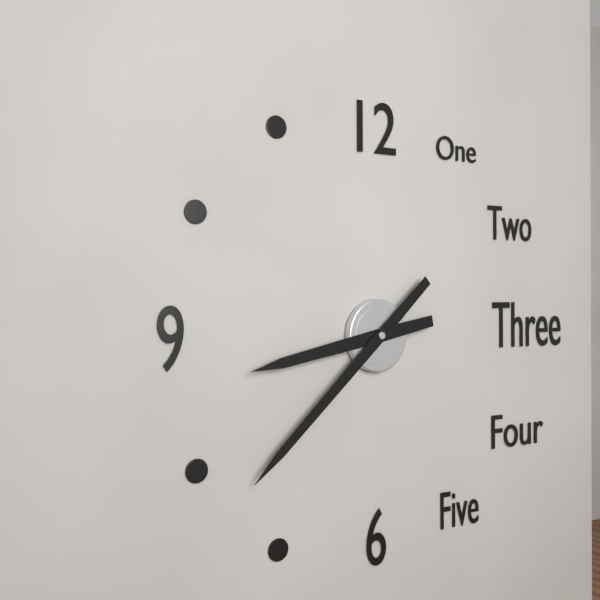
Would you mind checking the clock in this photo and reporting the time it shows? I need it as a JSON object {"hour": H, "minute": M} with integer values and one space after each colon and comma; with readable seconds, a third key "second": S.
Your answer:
{"hour": 8, "minute": 38}
